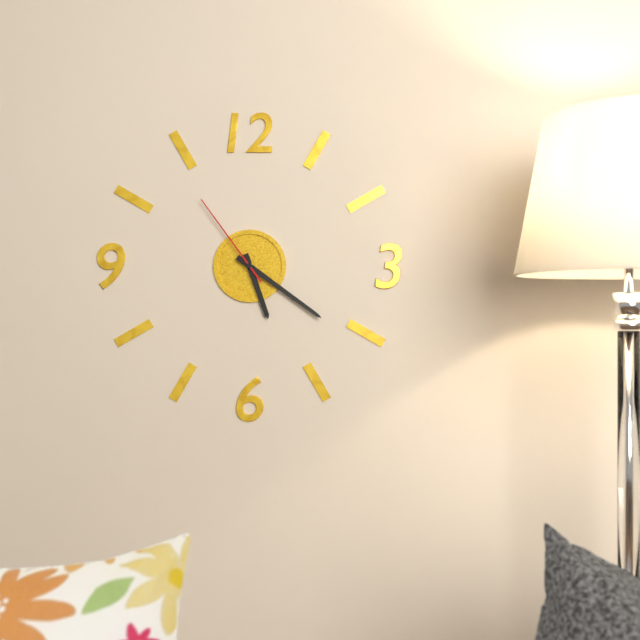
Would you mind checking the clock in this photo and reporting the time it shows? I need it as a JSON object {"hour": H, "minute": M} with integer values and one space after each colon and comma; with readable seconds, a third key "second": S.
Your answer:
{"hour": 5, "minute": 21, "second": 54}
